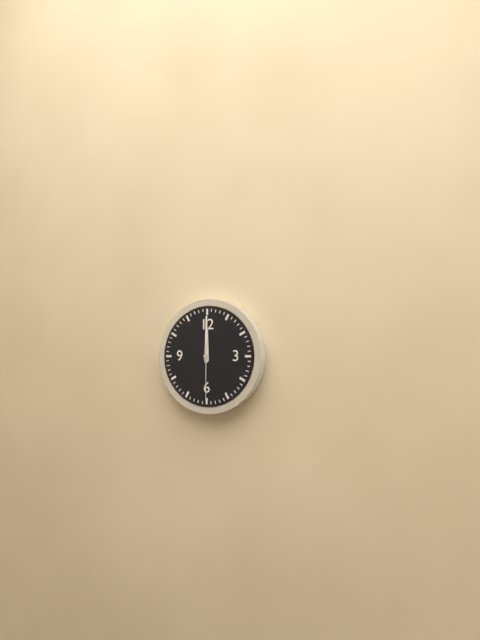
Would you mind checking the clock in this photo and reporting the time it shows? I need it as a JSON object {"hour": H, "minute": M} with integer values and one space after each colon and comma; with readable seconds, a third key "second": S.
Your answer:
{"hour": 12, "minute": 0, "second": 30}
